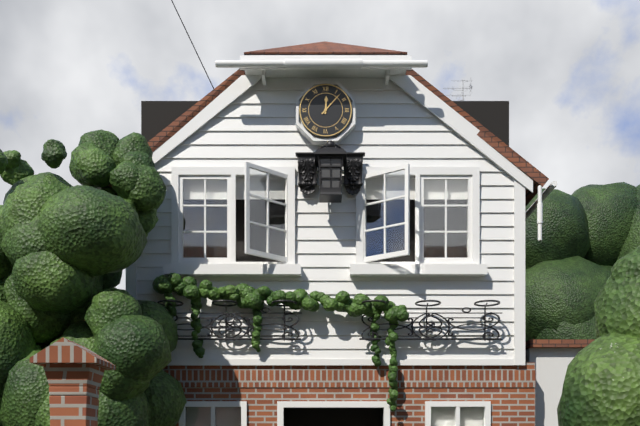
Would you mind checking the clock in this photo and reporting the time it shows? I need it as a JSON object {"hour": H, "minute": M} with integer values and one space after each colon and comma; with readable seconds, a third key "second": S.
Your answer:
{"hour": 12, "minute": 7}
